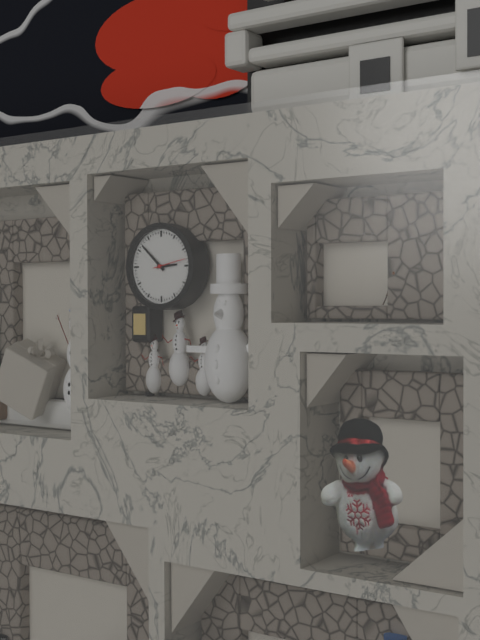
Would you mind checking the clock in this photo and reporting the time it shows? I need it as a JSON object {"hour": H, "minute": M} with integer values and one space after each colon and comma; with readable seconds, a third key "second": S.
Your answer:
{"hour": 2, "minute": 52}
